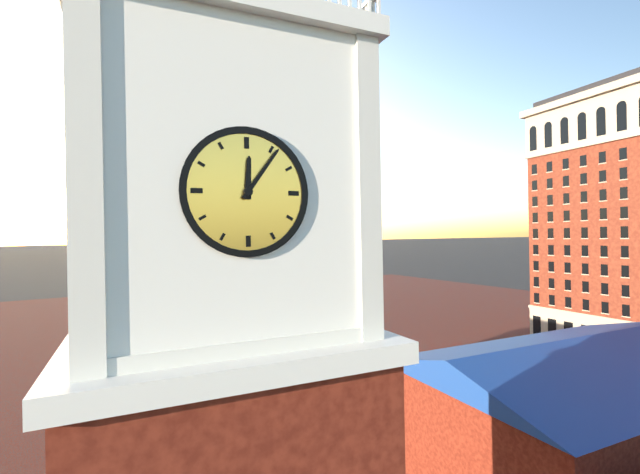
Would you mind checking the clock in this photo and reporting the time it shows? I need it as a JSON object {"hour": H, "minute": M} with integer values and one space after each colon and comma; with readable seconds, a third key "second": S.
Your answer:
{"hour": 12, "minute": 6}
